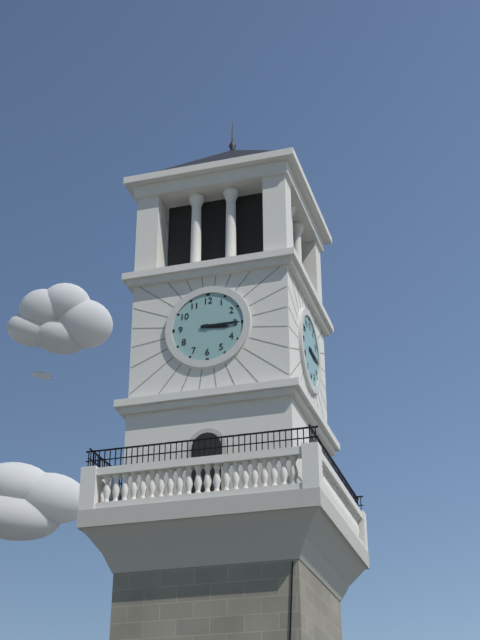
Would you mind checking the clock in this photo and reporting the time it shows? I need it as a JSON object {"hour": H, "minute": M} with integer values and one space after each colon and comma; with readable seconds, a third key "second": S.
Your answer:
{"hour": 3, "minute": 15}
